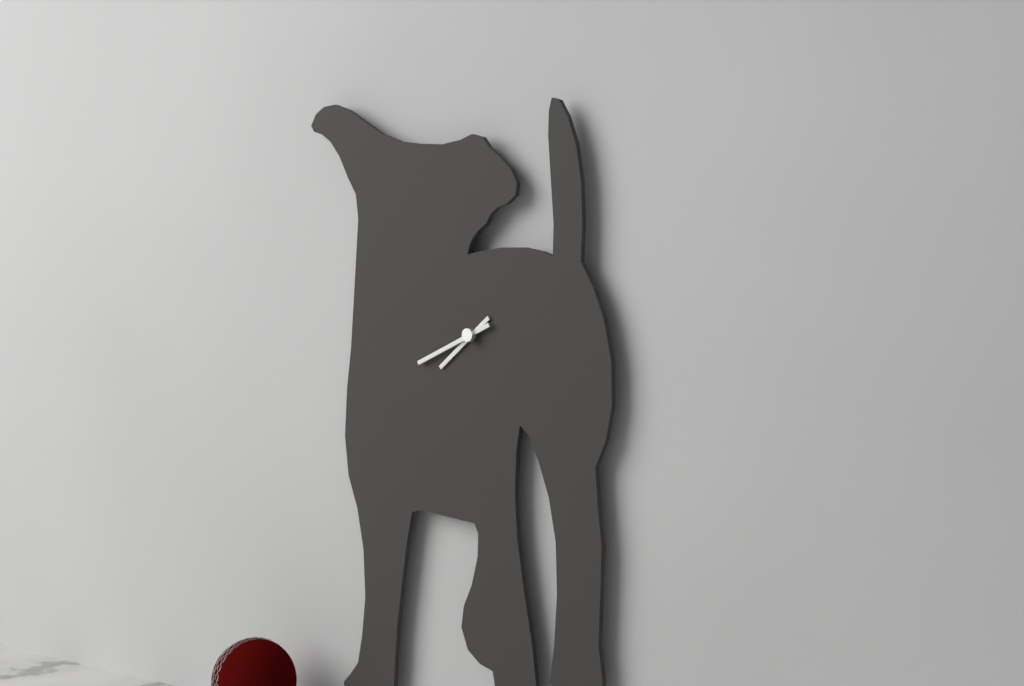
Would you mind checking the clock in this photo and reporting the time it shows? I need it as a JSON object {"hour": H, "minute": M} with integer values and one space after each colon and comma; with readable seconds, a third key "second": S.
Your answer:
{"hour": 7, "minute": 41}
